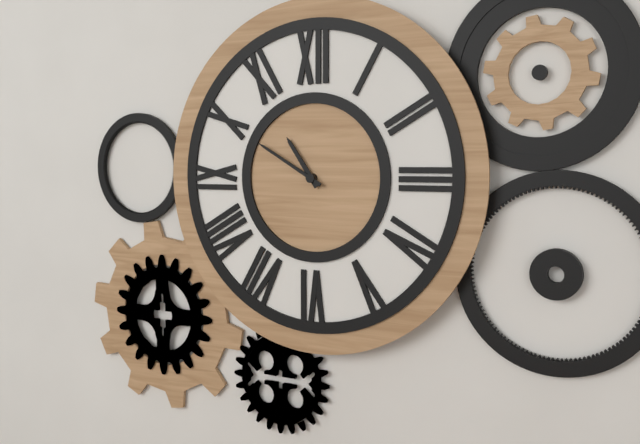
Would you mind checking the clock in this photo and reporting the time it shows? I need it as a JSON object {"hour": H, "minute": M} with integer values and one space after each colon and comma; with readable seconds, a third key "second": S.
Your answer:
{"hour": 10, "minute": 50}
